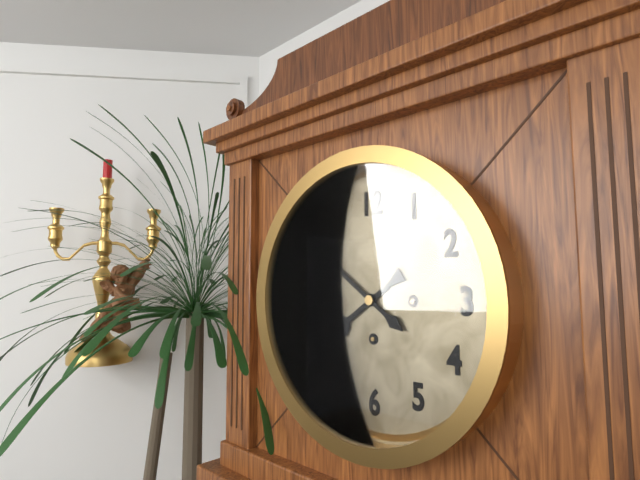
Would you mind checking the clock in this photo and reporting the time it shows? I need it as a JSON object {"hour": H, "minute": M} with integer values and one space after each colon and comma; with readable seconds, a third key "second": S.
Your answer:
{"hour": 7, "minute": 51}
